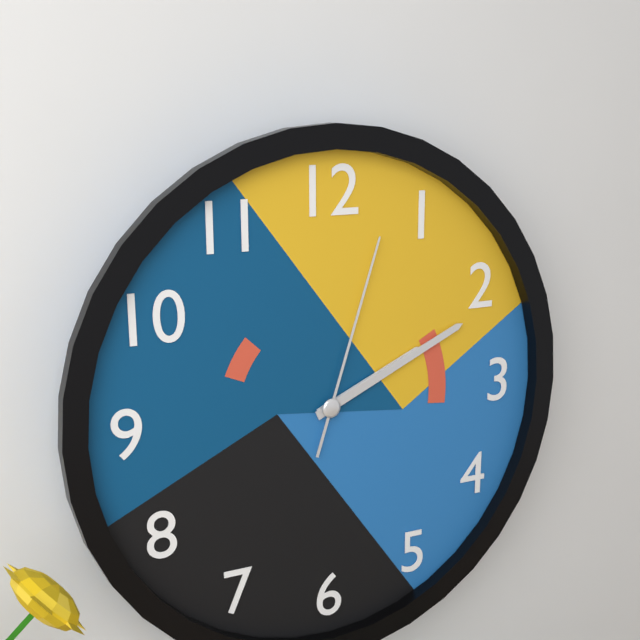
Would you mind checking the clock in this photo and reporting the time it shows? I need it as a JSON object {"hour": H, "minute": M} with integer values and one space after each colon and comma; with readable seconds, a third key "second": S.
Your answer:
{"hour": 2, "minute": 11, "second": 3}
